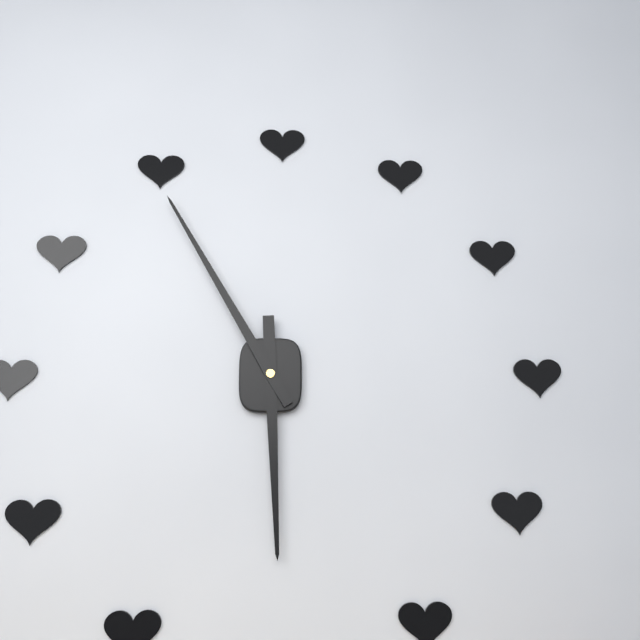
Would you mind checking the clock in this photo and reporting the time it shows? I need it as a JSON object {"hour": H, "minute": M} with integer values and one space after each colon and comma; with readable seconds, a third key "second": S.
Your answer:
{"hour": 5, "minute": 55}
